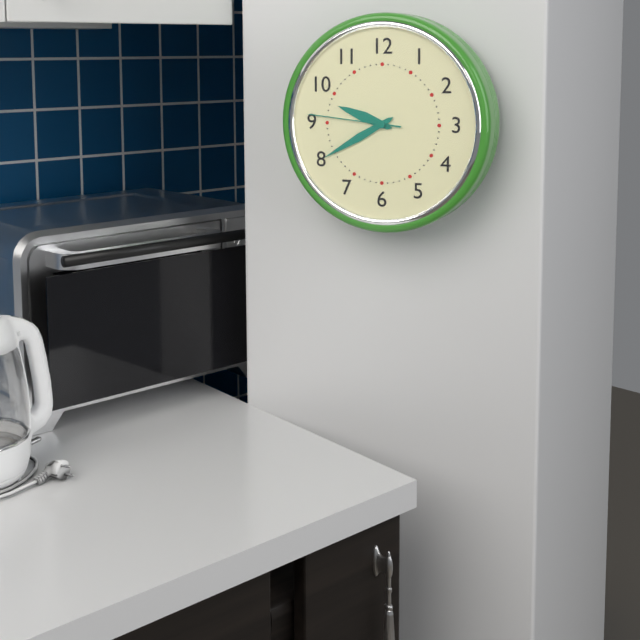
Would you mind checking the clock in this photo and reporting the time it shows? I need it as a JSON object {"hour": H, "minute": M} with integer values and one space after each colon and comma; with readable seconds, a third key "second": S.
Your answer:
{"hour": 9, "minute": 40, "second": 46}
